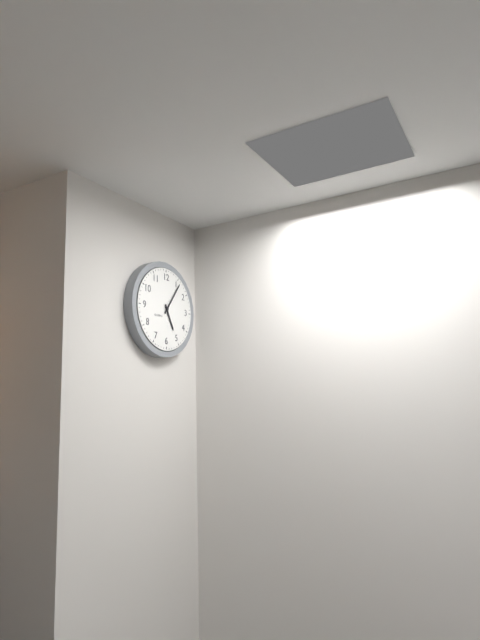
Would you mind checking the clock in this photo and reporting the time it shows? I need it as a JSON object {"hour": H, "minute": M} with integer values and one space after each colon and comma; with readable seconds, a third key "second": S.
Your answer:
{"hour": 5, "minute": 6}
